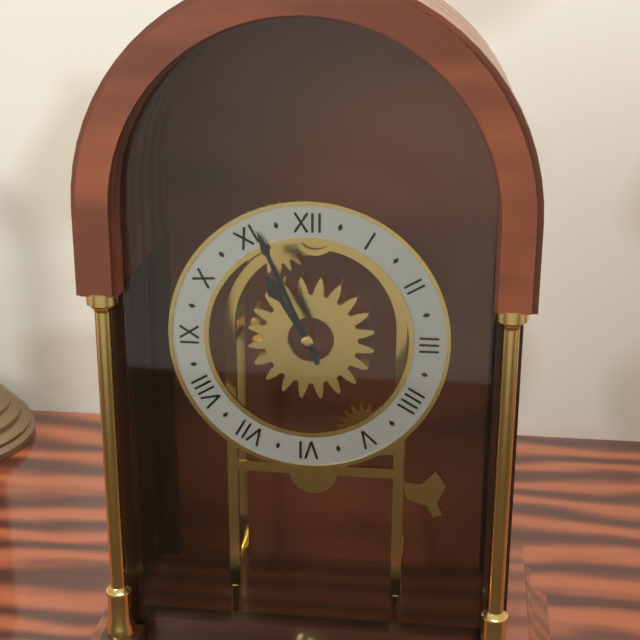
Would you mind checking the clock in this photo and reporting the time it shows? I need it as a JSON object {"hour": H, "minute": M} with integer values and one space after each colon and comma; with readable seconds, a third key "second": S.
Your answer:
{"hour": 10, "minute": 56}
